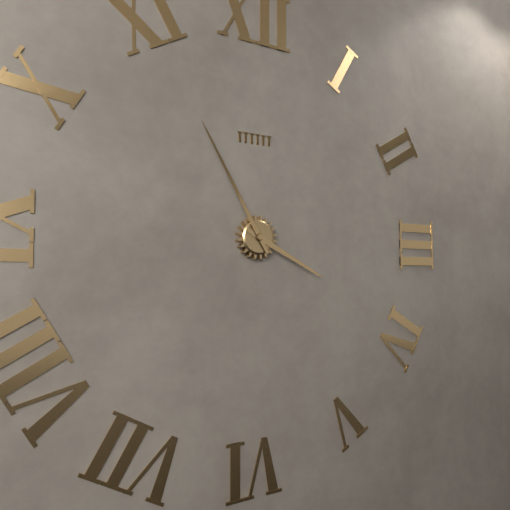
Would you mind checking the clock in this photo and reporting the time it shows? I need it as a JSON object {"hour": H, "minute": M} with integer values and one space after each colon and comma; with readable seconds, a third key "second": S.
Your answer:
{"hour": 3, "minute": 55}
